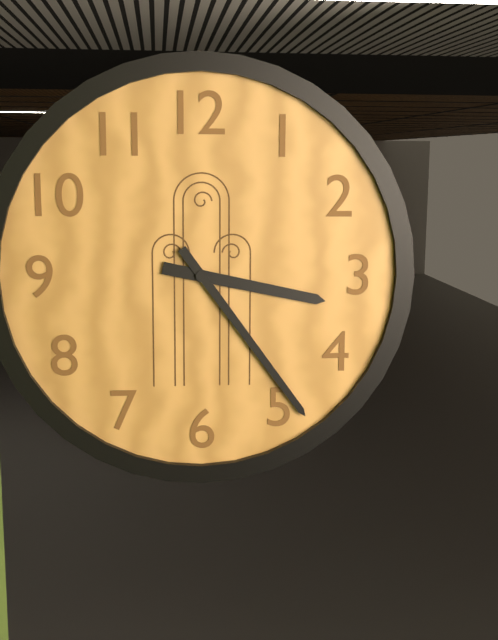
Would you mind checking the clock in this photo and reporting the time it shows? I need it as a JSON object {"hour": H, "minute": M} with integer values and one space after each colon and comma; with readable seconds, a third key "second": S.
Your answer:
{"hour": 3, "minute": 24}
